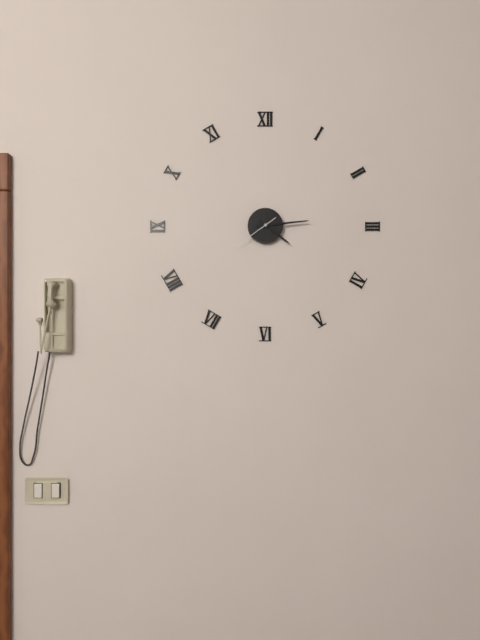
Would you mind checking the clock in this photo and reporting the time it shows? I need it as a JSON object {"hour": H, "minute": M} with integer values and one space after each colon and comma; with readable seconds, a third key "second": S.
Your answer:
{"hour": 4, "minute": 14}
